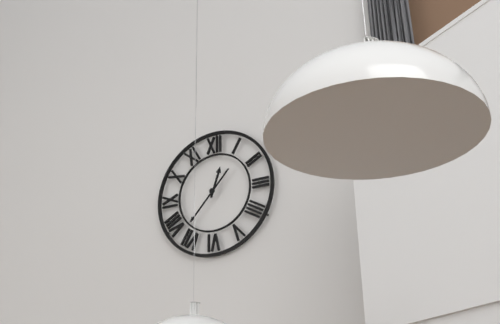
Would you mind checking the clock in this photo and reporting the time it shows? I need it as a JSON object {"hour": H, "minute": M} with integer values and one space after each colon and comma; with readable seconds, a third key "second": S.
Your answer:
{"hour": 12, "minute": 37}
